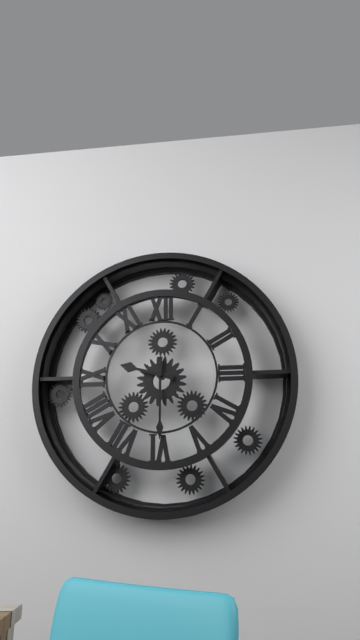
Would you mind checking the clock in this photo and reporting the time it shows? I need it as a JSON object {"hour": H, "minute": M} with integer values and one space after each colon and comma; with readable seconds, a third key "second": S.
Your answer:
{"hour": 9, "minute": 30}
